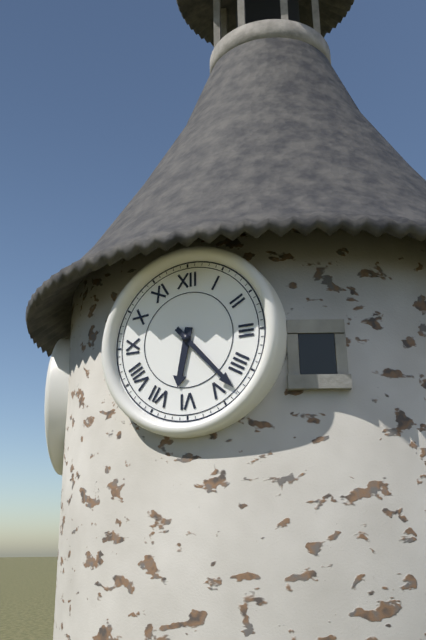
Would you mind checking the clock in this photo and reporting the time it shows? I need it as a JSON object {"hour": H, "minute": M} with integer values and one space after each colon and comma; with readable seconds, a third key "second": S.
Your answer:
{"hour": 6, "minute": 23}
